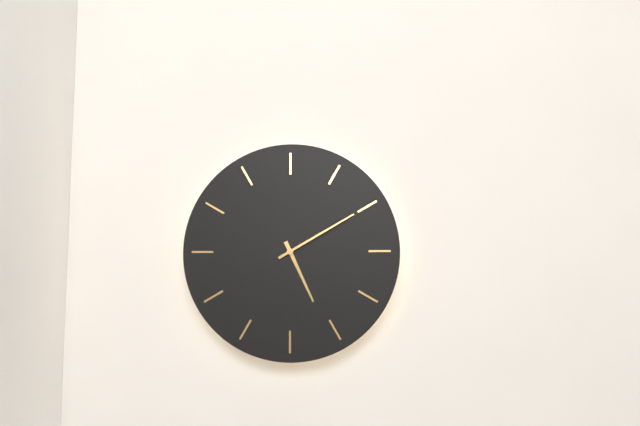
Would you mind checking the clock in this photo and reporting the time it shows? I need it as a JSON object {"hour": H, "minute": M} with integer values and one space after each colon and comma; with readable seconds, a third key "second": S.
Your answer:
{"hour": 5, "minute": 10}
